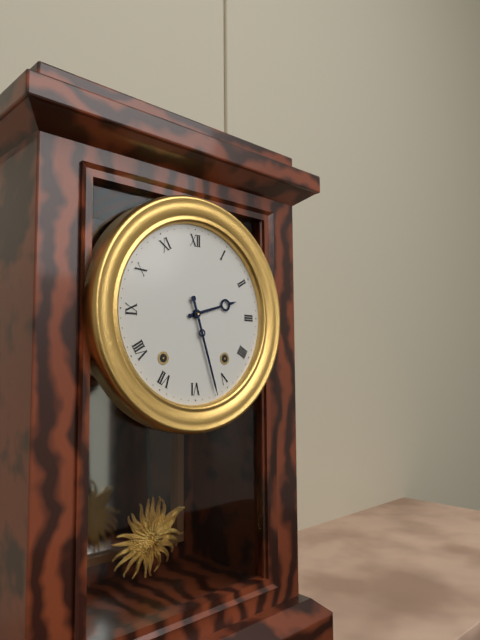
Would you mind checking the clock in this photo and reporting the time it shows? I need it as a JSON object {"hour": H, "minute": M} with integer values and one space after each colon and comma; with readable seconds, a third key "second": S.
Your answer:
{"hour": 2, "minute": 27}
